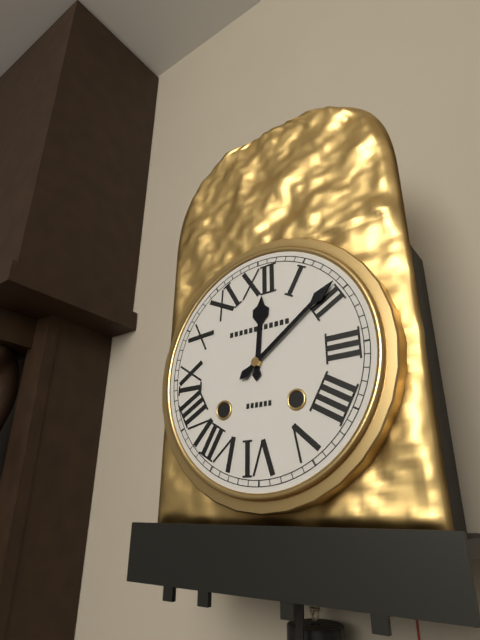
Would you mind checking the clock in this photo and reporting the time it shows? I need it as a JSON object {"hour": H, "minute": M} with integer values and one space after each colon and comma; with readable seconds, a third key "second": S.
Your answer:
{"hour": 12, "minute": 9}
